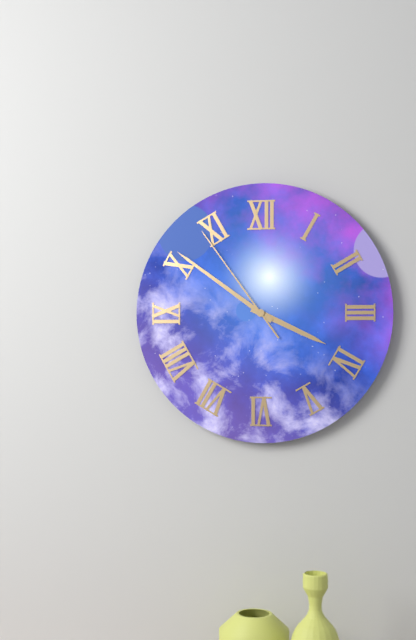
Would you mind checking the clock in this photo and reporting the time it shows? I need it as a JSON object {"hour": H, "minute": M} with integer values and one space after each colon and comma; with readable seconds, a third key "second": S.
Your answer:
{"hour": 3, "minute": 51, "second": 54}
